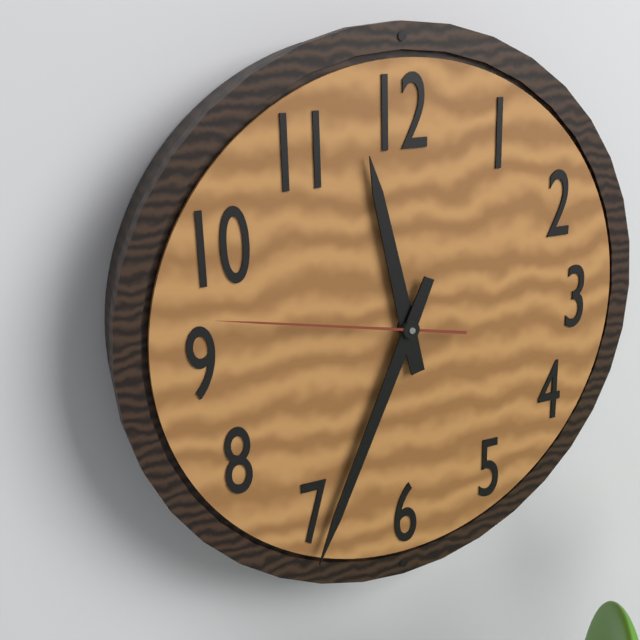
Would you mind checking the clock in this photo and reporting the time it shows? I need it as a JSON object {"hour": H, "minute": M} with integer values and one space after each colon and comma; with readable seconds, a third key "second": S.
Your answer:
{"hour": 11, "minute": 34, "second": 47}
